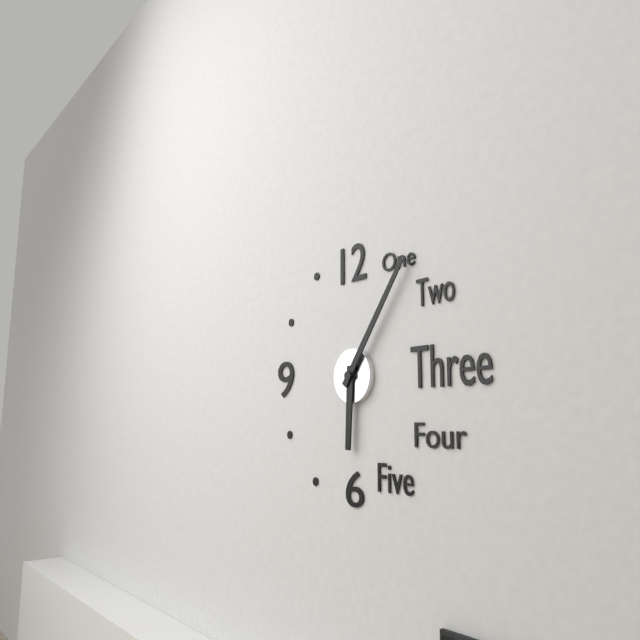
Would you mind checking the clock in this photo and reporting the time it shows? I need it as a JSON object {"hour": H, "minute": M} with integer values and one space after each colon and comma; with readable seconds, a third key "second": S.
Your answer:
{"hour": 6, "minute": 6}
